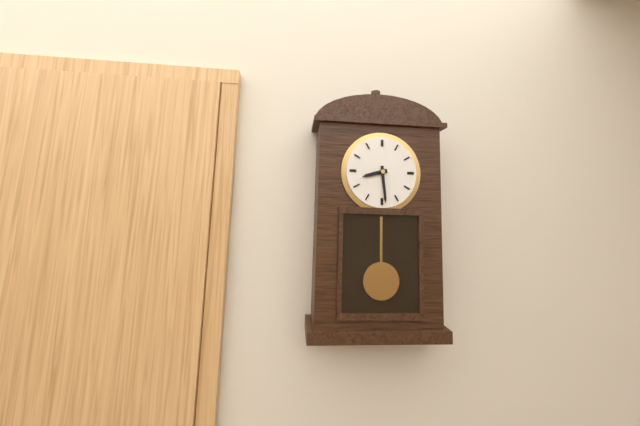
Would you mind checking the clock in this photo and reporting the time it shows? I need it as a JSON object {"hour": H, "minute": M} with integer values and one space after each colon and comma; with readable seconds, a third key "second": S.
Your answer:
{"hour": 8, "minute": 29}
